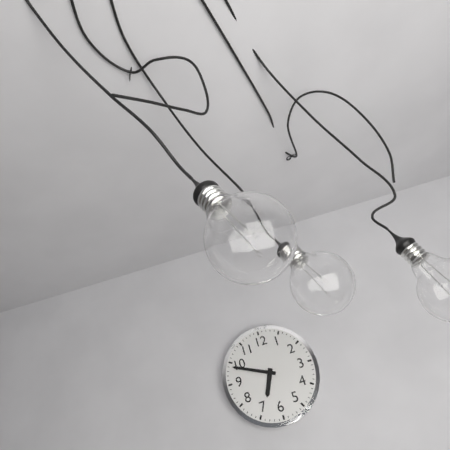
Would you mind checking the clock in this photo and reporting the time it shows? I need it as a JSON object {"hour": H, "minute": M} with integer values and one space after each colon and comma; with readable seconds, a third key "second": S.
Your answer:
{"hour": 6, "minute": 49}
